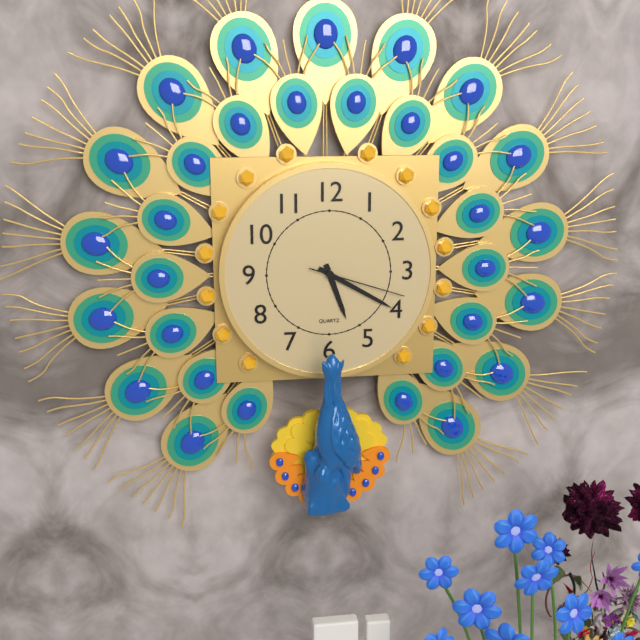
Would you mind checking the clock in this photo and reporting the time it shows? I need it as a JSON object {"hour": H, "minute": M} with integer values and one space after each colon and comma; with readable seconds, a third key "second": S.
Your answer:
{"hour": 5, "minute": 20, "second": 18}
